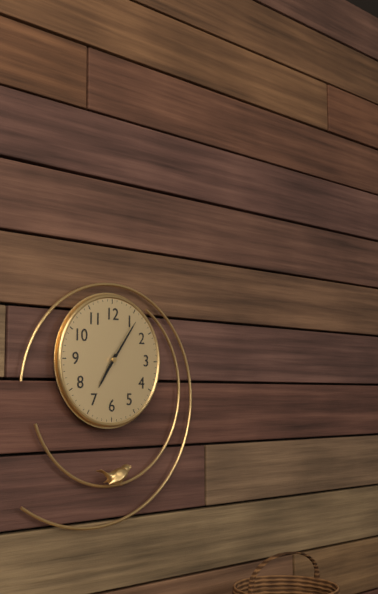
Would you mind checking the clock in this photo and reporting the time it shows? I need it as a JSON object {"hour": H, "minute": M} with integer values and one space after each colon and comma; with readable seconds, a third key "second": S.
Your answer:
{"hour": 7, "minute": 6}
